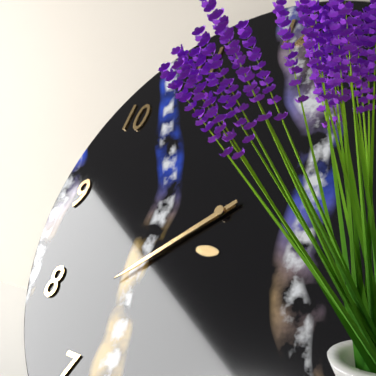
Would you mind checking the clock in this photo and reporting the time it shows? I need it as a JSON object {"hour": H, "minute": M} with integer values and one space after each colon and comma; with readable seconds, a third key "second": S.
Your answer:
{"hour": 7, "minute": 38}
